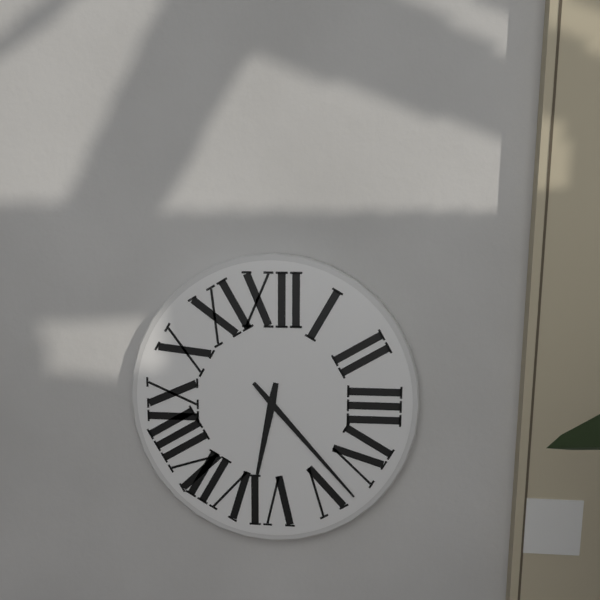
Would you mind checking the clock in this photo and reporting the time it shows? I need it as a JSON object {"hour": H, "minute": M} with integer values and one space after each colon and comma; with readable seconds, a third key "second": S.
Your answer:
{"hour": 6, "minute": 23}
